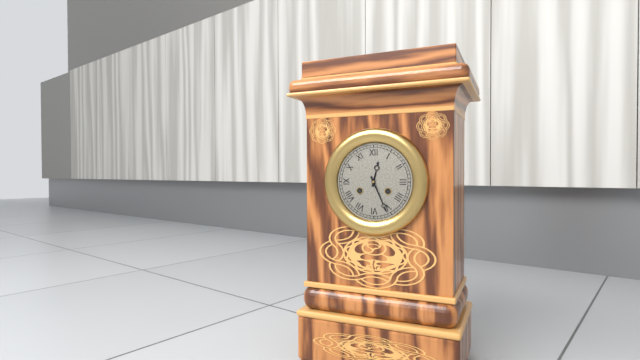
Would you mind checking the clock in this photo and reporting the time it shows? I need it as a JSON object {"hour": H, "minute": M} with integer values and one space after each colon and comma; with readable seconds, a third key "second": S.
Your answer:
{"hour": 12, "minute": 26}
